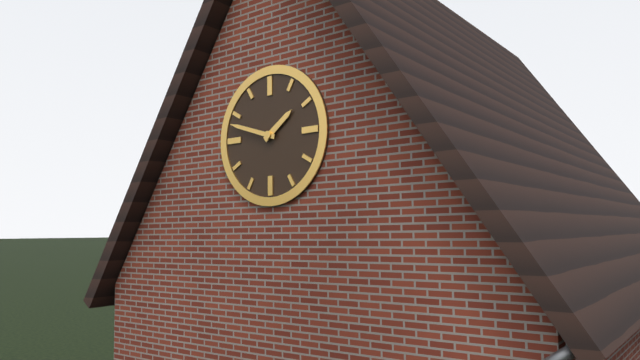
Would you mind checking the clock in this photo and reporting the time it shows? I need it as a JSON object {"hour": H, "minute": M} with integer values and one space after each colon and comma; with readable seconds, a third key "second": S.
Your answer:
{"hour": 1, "minute": 48}
